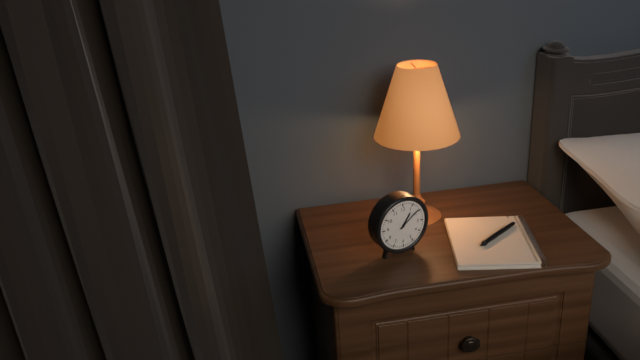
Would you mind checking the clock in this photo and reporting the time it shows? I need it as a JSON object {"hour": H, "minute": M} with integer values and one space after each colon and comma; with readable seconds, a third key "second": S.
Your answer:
{"hour": 1, "minute": 9}
